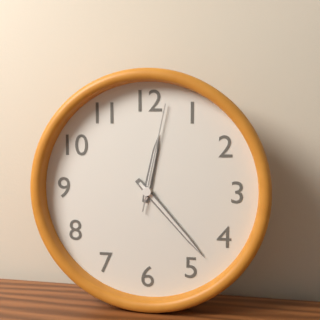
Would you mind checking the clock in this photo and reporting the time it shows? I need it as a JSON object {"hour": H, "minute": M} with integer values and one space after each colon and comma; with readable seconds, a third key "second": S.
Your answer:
{"hour": 12, "minute": 23, "second": 2}
